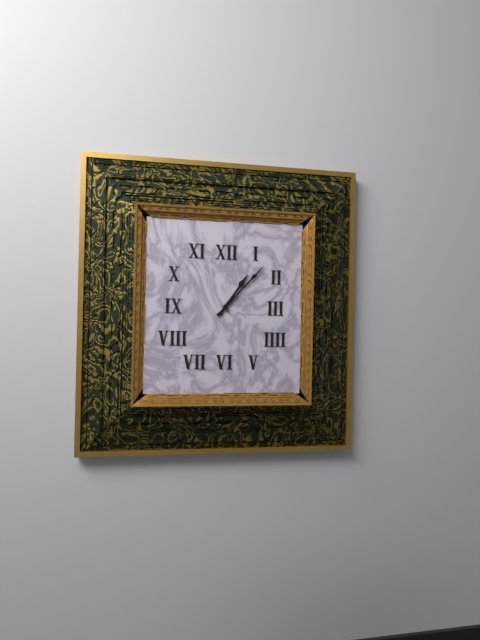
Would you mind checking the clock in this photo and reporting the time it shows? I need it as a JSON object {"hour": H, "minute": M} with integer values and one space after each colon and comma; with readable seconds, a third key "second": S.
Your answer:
{"hour": 1, "minute": 7}
